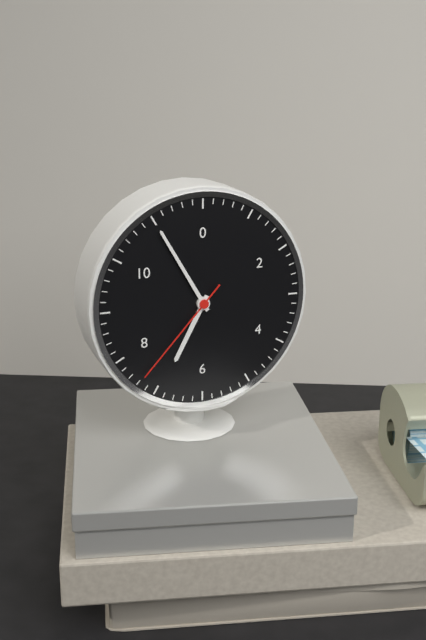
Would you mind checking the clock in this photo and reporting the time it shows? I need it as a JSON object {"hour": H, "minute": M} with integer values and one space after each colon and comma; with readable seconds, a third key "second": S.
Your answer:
{"hour": 6, "minute": 55, "second": 37}
